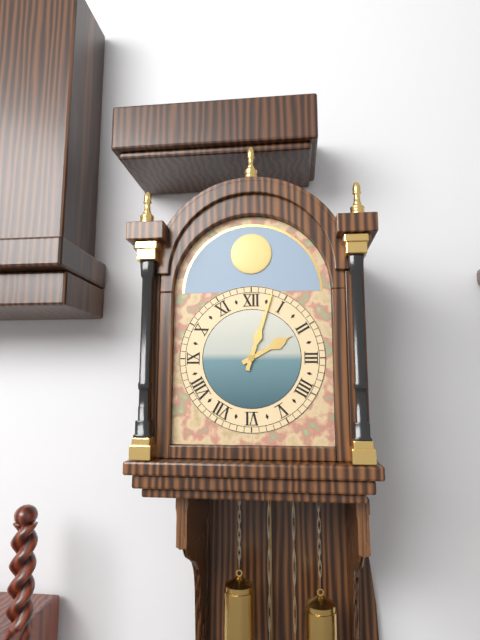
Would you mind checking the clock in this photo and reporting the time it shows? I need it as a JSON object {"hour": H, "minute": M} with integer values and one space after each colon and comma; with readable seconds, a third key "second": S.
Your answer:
{"hour": 2, "minute": 3}
